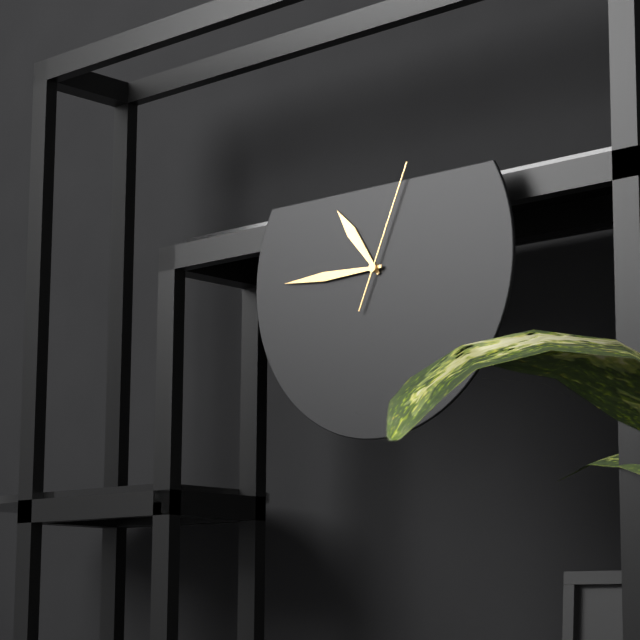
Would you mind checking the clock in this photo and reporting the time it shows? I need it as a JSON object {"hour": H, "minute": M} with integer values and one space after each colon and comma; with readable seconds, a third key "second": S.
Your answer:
{"hour": 10, "minute": 45, "second": 4}
